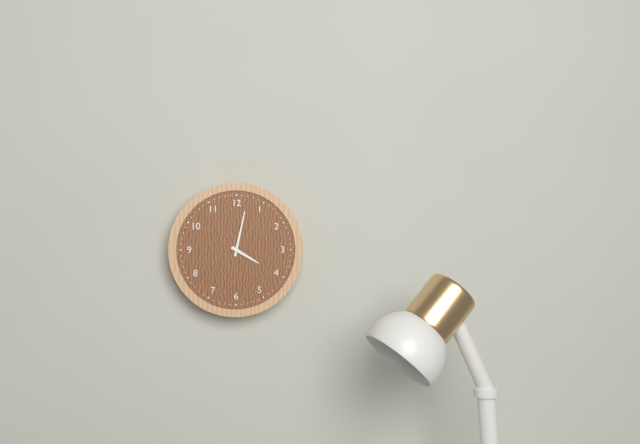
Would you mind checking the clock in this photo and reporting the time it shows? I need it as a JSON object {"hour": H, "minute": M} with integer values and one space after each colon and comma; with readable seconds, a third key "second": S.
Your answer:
{"hour": 4, "minute": 2}
